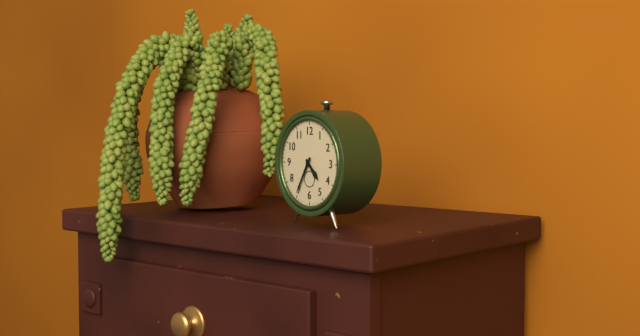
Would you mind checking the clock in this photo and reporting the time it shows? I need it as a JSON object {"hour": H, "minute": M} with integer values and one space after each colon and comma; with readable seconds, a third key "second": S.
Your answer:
{"hour": 4, "minute": 35}
